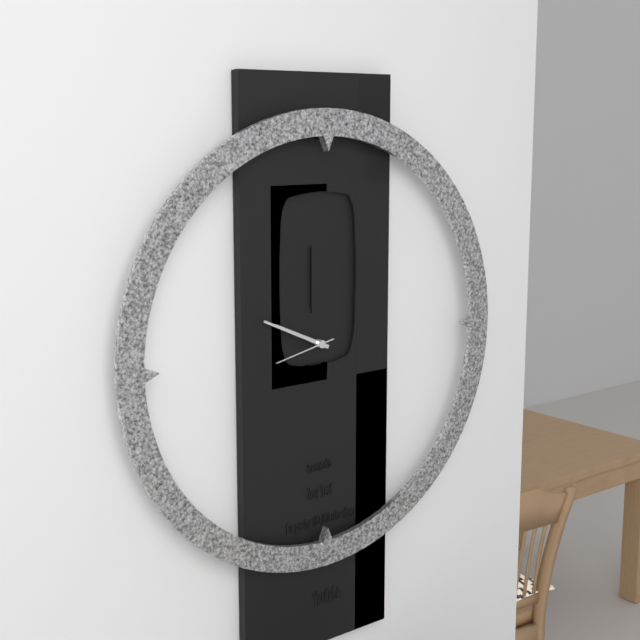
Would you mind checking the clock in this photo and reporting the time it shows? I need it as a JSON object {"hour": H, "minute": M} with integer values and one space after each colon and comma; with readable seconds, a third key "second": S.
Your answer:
{"hour": 9, "minute": 49, "second": 43}
